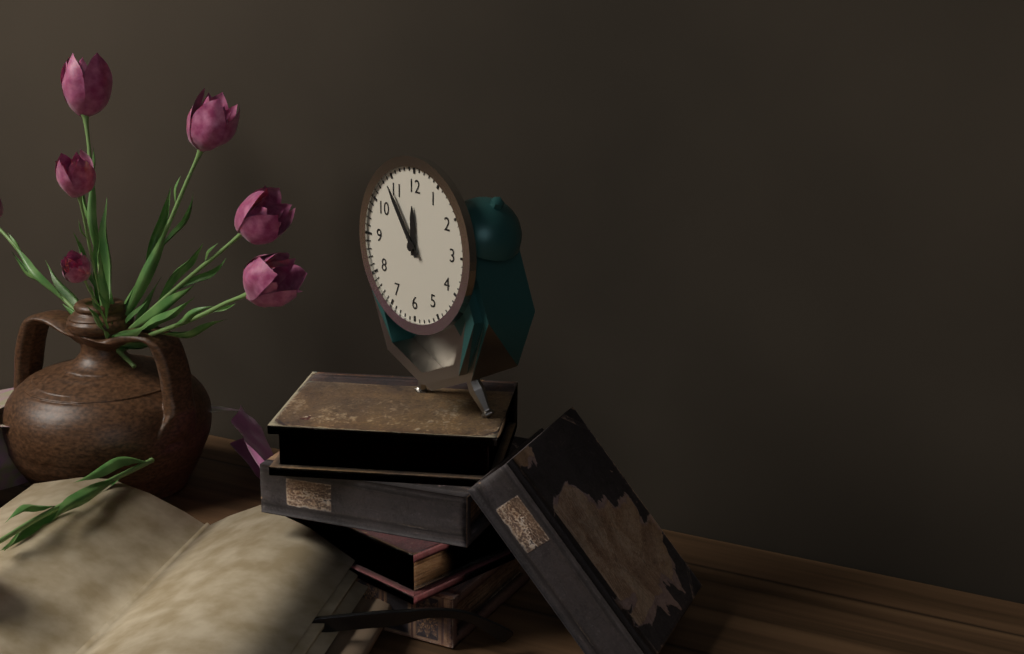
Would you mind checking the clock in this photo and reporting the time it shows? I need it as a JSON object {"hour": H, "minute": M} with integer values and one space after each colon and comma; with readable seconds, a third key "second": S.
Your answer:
{"hour": 11, "minute": 54}
